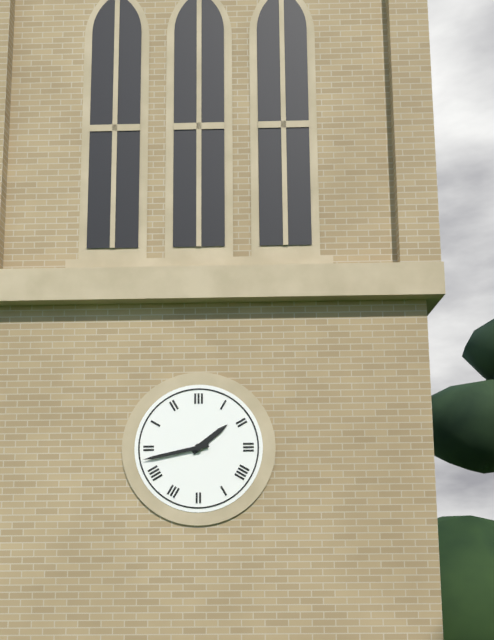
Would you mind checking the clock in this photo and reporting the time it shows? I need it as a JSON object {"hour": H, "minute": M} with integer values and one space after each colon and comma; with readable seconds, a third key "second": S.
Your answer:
{"hour": 1, "minute": 43}
